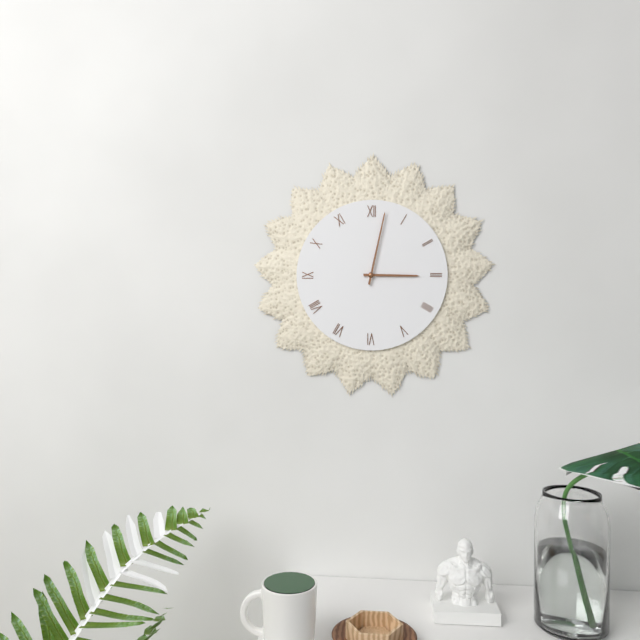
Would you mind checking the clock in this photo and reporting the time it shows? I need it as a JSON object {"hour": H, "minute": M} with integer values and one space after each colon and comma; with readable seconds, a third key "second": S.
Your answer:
{"hour": 3, "minute": 2}
